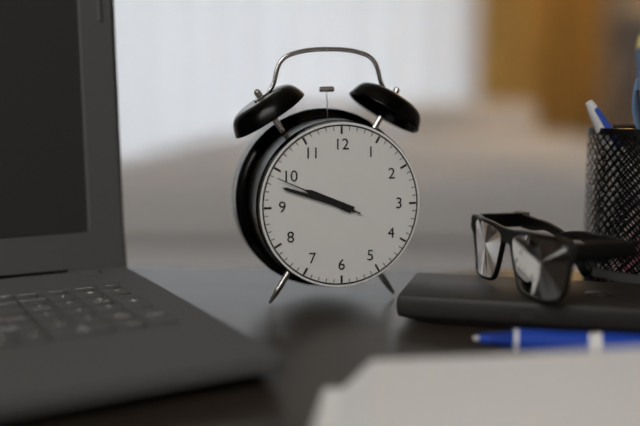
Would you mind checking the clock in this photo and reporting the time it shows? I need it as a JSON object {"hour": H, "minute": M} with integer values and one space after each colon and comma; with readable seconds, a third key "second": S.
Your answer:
{"hour": 9, "minute": 48, "second": 49}
